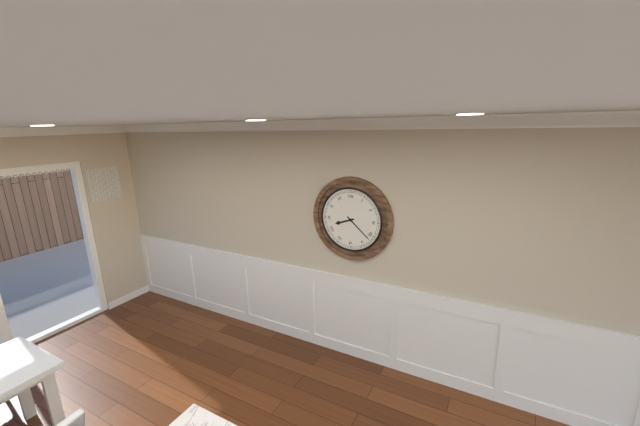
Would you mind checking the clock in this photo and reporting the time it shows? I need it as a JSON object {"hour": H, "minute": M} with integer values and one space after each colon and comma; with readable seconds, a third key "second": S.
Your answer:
{"hour": 8, "minute": 22}
